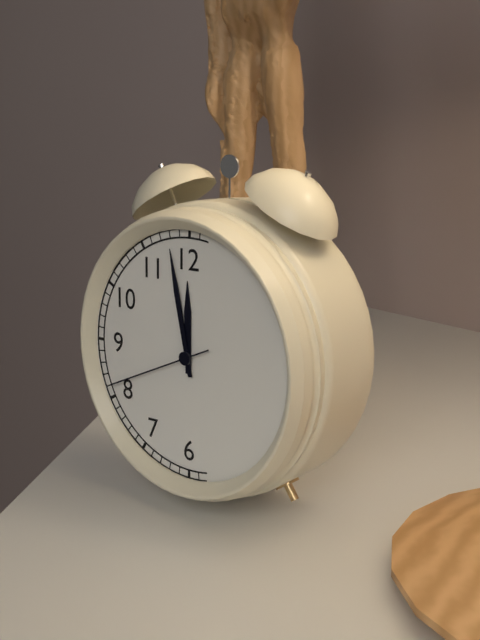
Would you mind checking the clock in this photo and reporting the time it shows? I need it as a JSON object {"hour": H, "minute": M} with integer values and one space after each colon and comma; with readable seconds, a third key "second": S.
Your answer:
{"hour": 11, "minute": 58, "second": 41}
